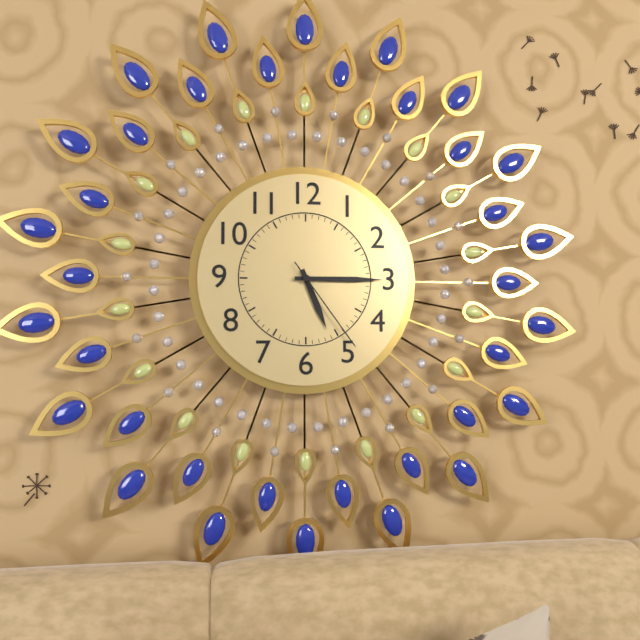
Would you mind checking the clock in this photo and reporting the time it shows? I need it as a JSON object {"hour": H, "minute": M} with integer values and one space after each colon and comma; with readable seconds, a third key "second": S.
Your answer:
{"hour": 5, "minute": 15, "second": 24}
